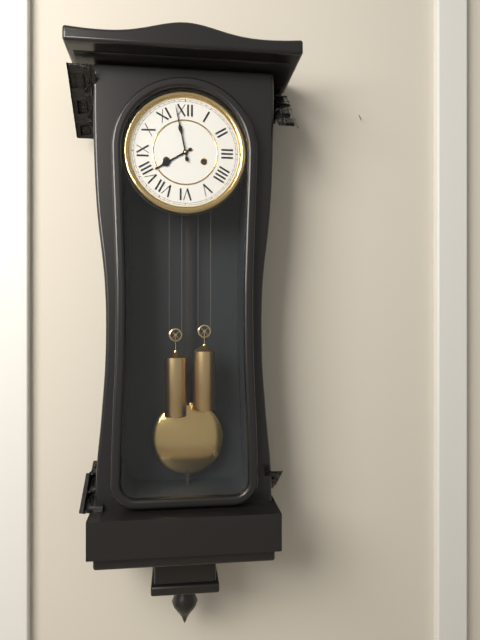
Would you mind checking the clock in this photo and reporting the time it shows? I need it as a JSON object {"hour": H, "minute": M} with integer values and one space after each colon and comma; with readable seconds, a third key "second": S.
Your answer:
{"hour": 7, "minute": 58}
